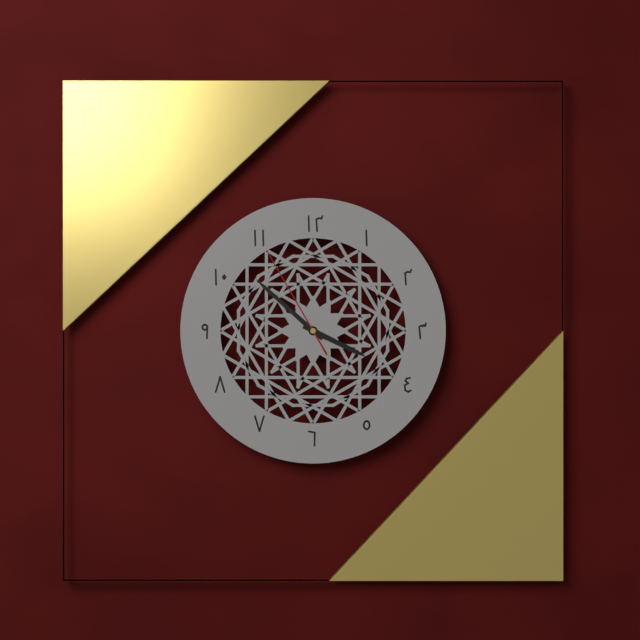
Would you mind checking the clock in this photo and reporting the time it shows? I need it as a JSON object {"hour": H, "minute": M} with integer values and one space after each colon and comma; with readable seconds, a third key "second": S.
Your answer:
{"hour": 3, "minute": 52, "second": 55}
